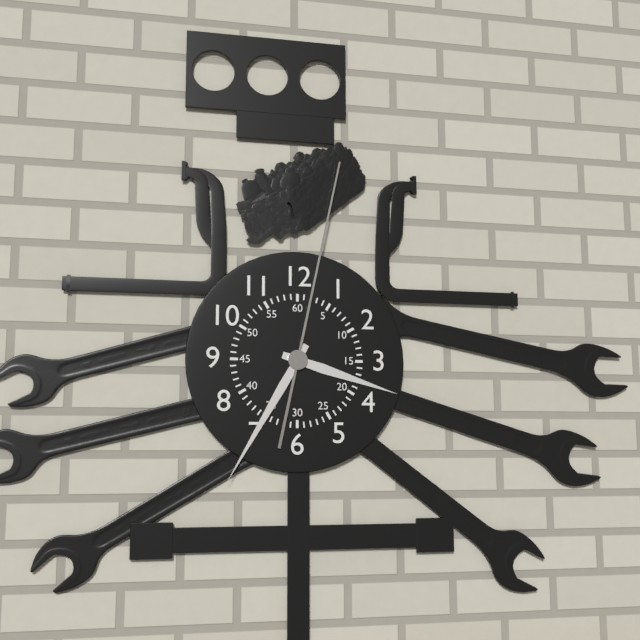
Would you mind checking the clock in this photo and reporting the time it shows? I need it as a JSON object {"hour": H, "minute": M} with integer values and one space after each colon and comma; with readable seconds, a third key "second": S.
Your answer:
{"hour": 3, "minute": 35, "second": 2}
